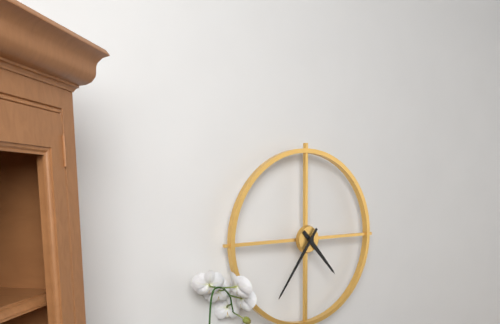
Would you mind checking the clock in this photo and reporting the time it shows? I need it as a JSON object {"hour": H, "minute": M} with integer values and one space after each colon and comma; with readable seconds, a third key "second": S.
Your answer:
{"hour": 4, "minute": 36}
